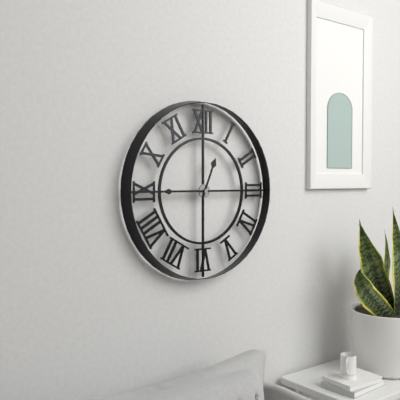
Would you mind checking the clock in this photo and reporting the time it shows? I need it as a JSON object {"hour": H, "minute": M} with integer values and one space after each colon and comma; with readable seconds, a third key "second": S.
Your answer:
{"hour": 12, "minute": 45}
